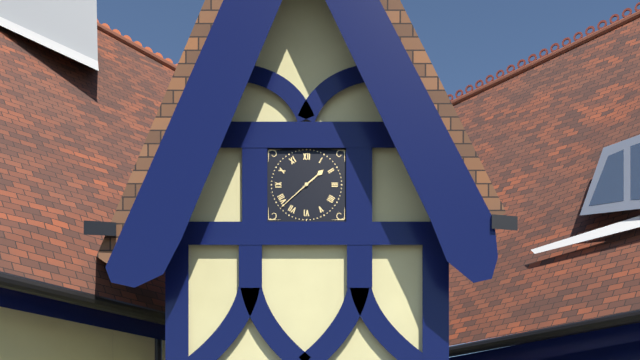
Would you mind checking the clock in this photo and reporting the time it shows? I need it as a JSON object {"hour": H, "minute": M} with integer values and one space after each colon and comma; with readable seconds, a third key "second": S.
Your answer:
{"hour": 1, "minute": 38}
